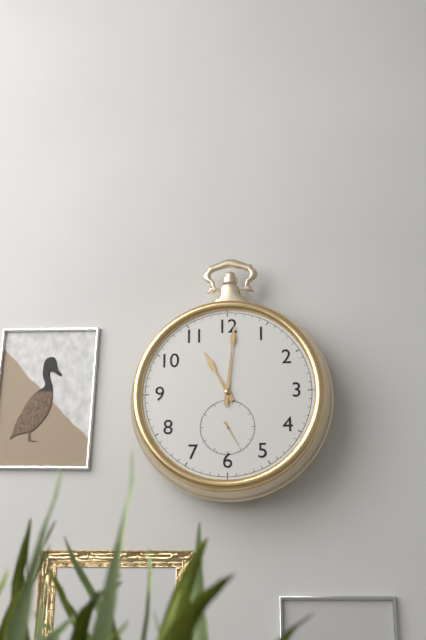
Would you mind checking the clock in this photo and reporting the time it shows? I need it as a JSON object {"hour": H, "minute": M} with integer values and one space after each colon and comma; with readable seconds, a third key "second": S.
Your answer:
{"hour": 11, "minute": 1}
